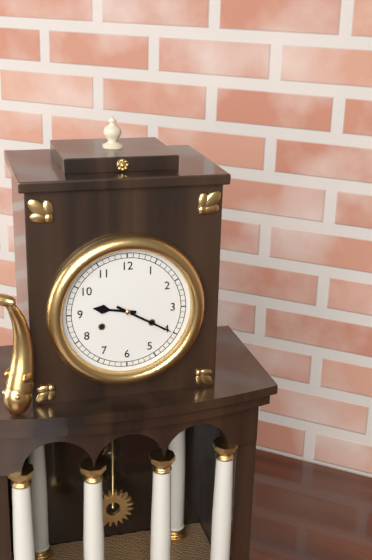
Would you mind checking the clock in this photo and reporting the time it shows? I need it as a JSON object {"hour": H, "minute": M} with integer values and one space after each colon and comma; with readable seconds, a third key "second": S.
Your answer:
{"hour": 9, "minute": 20}
